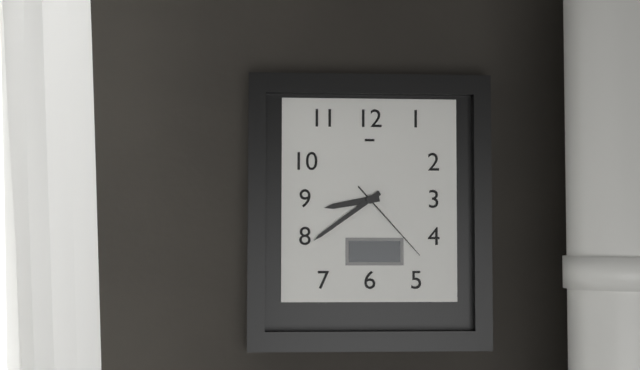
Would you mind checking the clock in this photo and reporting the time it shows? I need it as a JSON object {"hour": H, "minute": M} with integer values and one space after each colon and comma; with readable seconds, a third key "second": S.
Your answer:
{"hour": 8, "minute": 39, "second": 23}
